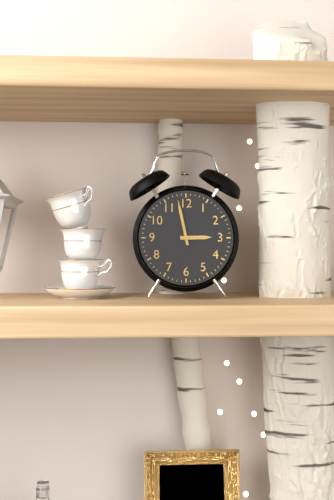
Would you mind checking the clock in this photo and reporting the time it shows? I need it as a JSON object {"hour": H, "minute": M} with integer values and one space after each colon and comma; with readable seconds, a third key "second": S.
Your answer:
{"hour": 2, "minute": 58}
